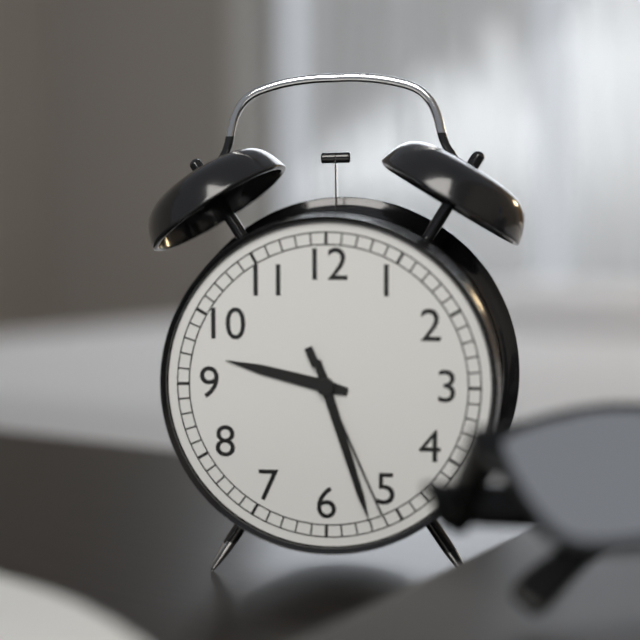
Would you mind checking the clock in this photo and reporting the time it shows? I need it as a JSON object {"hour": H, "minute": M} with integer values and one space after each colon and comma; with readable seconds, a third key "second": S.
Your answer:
{"hour": 9, "minute": 27, "second": 26}
